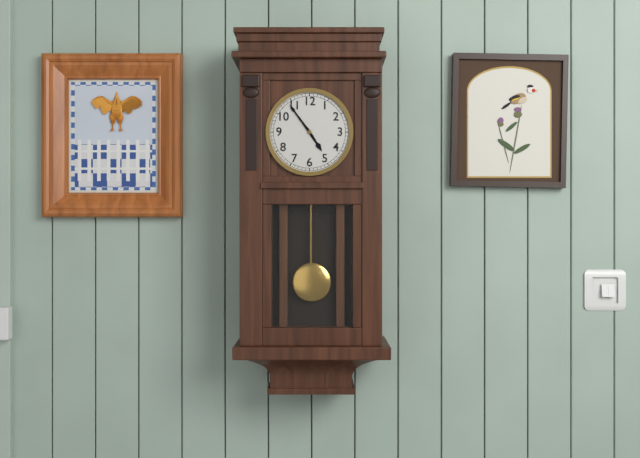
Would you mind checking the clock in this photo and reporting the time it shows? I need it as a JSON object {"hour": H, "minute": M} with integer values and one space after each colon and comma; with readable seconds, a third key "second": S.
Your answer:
{"hour": 4, "minute": 54}
